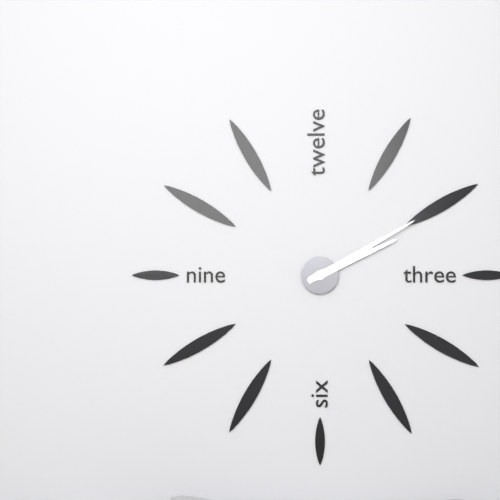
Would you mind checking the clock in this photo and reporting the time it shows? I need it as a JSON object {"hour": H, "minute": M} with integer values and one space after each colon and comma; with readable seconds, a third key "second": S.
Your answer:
{"hour": 2, "minute": 10}
